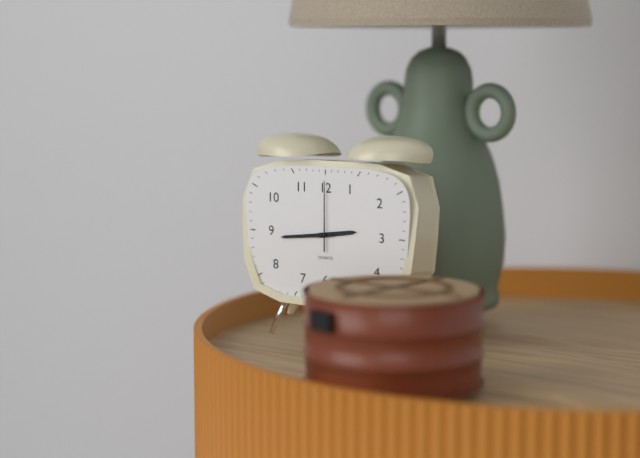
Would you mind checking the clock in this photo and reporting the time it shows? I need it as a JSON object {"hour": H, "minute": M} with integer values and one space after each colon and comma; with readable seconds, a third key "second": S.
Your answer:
{"hour": 2, "minute": 44, "second": 0}
